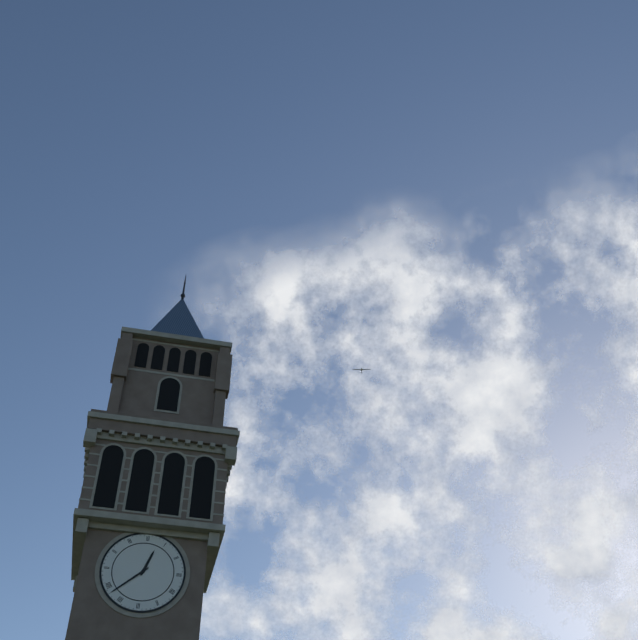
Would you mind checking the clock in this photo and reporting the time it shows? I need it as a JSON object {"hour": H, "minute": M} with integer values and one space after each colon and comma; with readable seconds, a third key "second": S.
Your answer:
{"hour": 12, "minute": 38}
